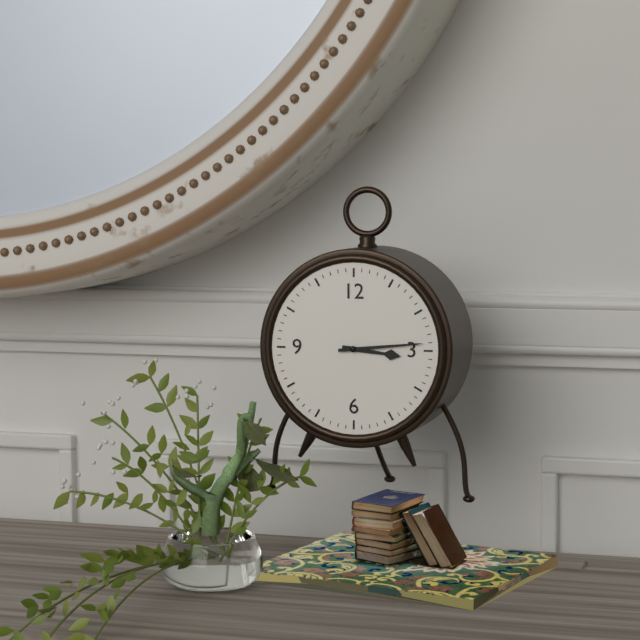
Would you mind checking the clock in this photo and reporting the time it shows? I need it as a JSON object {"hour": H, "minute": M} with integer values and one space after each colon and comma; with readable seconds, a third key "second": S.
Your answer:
{"hour": 3, "minute": 14}
